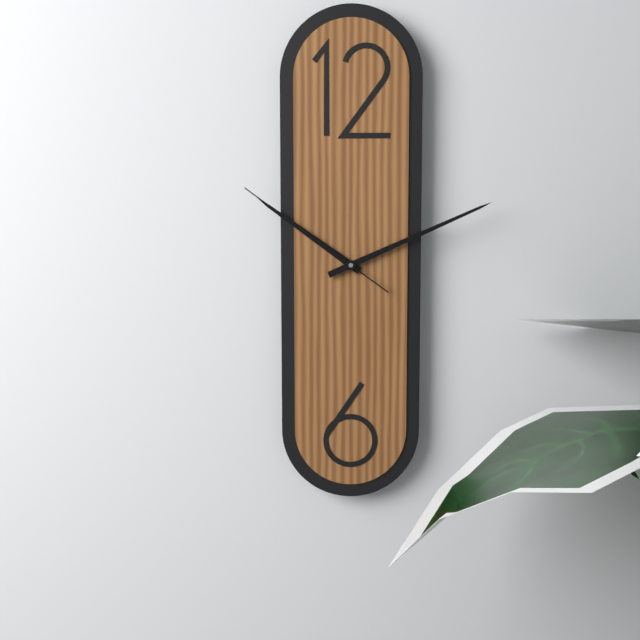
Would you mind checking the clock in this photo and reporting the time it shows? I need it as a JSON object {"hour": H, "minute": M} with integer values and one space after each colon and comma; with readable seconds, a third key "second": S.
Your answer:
{"hour": 10, "minute": 11, "second": 51}
